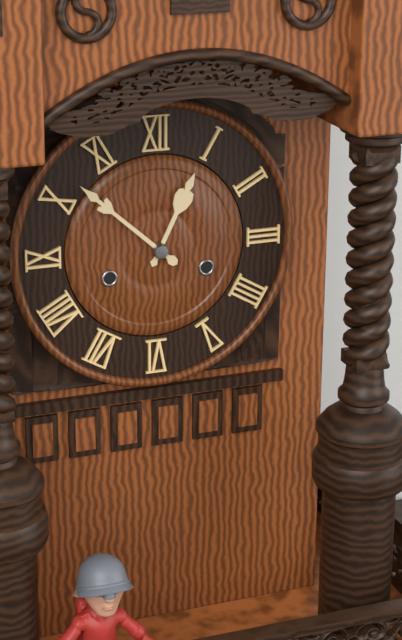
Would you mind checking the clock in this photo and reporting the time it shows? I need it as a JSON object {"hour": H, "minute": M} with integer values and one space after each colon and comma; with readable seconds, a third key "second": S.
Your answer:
{"hour": 12, "minute": 52}
